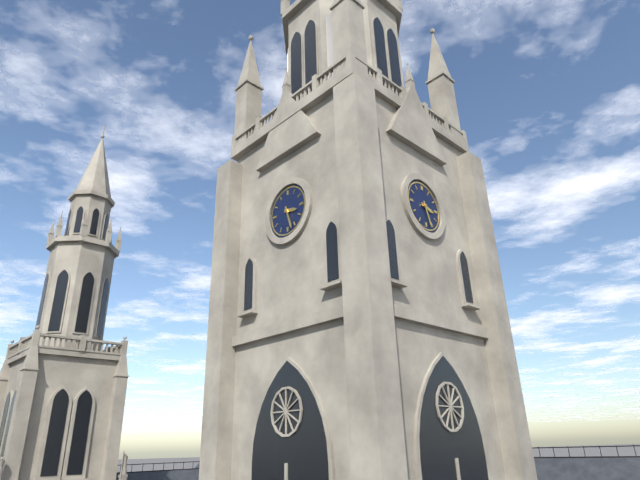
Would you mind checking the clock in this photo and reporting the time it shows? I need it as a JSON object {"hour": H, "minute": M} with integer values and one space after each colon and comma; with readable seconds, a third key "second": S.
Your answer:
{"hour": 3, "minute": 27}
